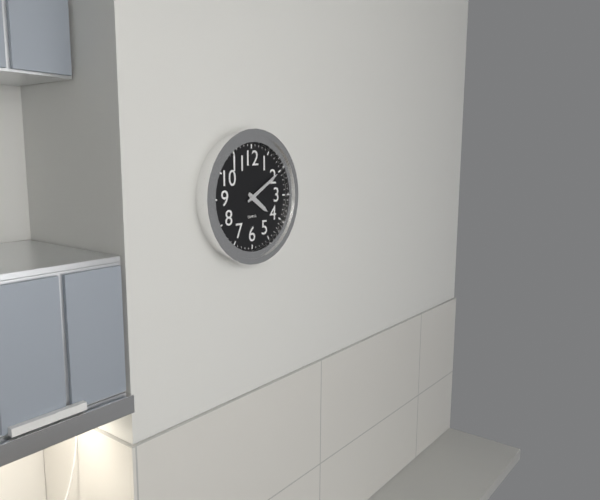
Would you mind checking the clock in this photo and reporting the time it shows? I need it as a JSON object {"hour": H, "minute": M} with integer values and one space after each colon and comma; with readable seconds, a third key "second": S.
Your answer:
{"hour": 4, "minute": 10}
